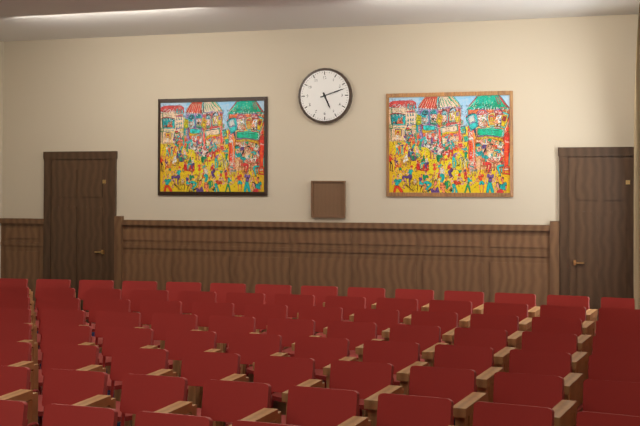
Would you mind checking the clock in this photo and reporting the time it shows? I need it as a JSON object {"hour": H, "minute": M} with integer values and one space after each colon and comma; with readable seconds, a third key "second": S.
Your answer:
{"hour": 5, "minute": 12}
